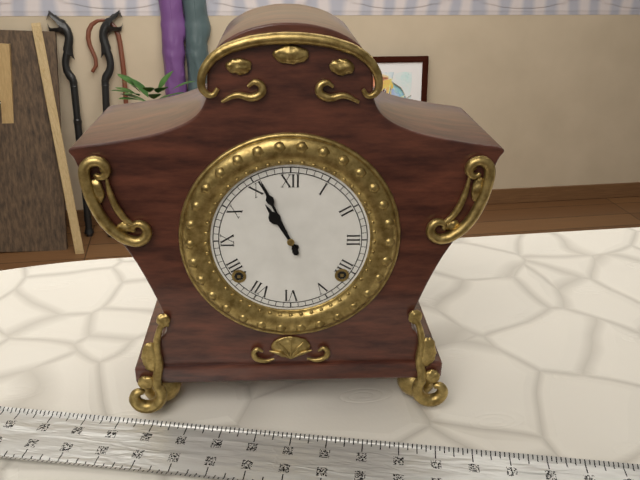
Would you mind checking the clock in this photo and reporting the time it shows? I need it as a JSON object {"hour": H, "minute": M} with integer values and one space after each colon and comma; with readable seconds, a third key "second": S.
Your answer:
{"hour": 10, "minute": 56}
